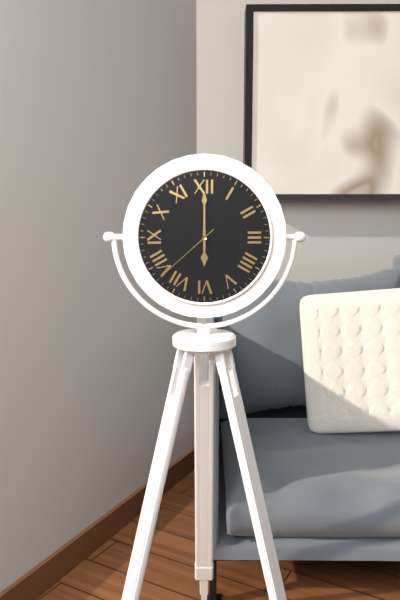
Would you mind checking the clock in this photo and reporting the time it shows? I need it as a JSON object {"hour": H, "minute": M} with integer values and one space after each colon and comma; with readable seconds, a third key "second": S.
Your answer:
{"hour": 6, "minute": 0, "second": 38}
